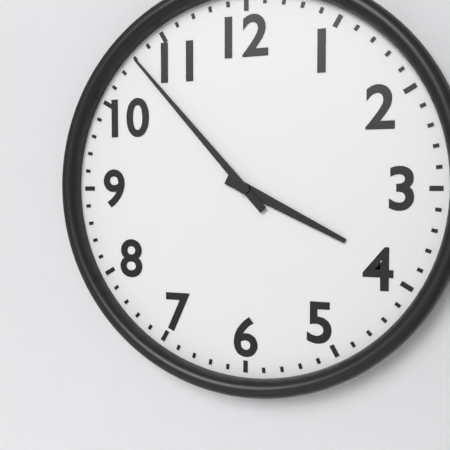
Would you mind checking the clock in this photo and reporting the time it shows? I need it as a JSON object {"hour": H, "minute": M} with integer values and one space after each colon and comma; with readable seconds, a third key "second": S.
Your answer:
{"hour": 3, "minute": 53}
